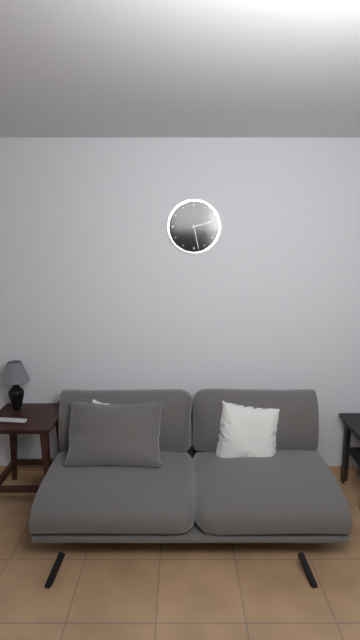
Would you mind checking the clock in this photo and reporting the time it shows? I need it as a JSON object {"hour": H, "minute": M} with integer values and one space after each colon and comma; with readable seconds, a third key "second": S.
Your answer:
{"hour": 2, "minute": 28}
